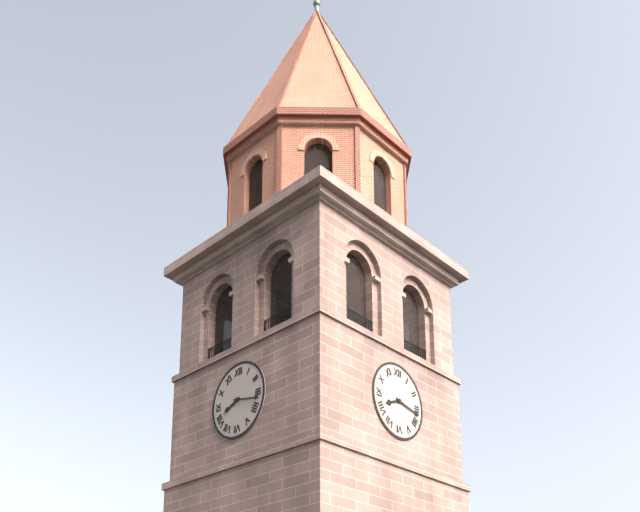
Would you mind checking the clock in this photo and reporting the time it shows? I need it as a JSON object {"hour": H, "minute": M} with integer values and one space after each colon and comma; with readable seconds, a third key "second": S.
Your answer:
{"hour": 8, "minute": 17}
